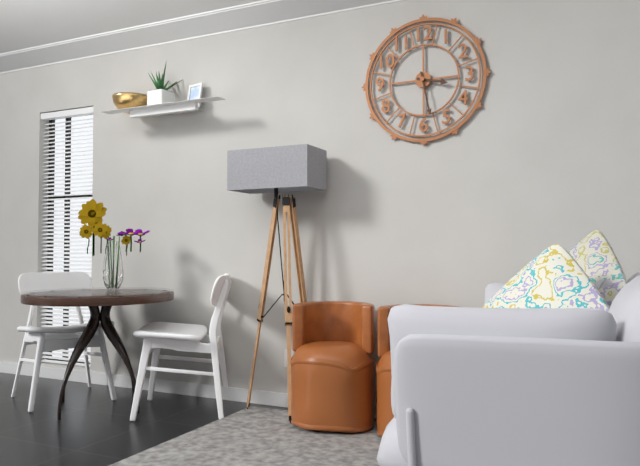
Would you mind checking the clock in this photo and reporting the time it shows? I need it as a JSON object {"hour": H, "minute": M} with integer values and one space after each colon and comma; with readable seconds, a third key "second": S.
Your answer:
{"hour": 3, "minute": 28}
